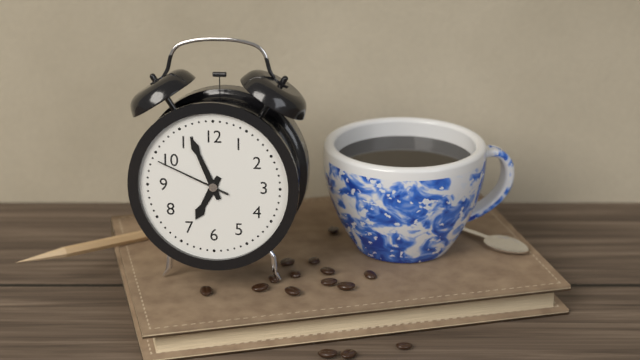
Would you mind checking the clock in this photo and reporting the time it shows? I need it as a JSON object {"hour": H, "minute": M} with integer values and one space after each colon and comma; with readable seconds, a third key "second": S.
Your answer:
{"hour": 6, "minute": 56, "second": 49}
